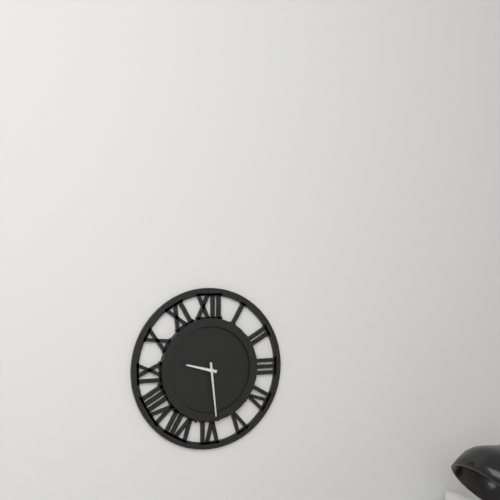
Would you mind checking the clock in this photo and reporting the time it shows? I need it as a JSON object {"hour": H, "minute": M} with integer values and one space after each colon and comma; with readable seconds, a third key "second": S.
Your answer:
{"hour": 9, "minute": 29}
